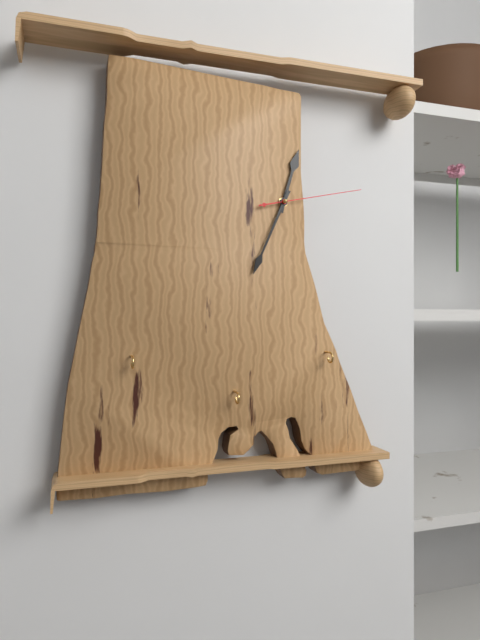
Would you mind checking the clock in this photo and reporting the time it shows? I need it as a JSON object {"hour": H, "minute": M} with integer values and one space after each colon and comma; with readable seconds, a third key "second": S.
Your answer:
{"hour": 12, "minute": 34, "second": 13}
